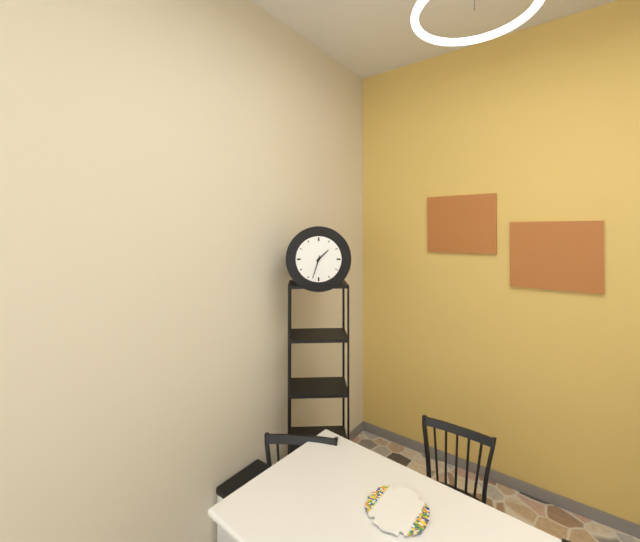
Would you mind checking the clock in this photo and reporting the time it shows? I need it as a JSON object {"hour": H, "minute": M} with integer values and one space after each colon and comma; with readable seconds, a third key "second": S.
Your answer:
{"hour": 1, "minute": 33}
